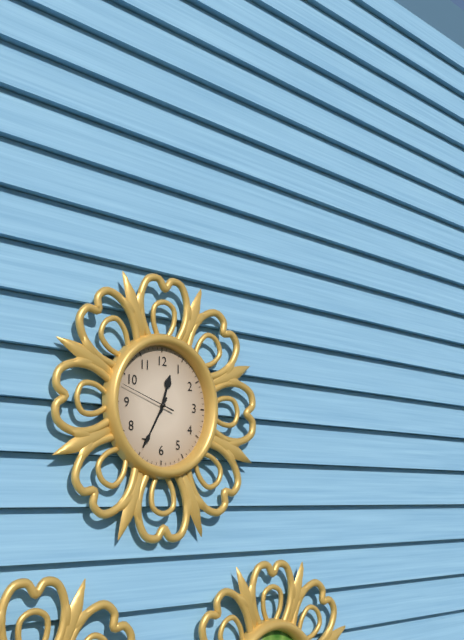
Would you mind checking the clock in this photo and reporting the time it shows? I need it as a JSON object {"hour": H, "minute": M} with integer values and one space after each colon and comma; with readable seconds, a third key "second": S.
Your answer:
{"hour": 12, "minute": 35, "second": 48}
